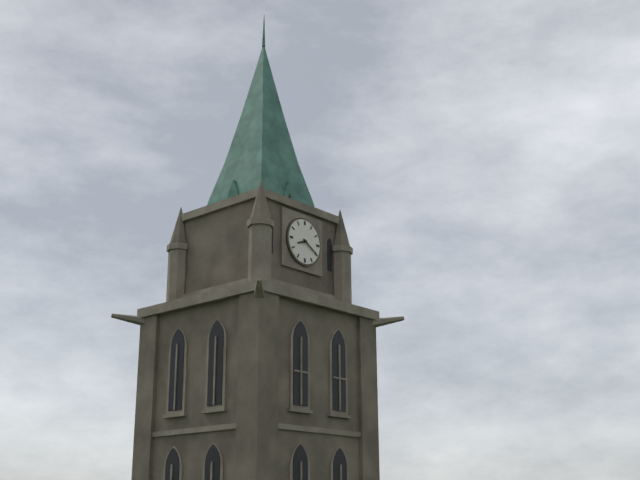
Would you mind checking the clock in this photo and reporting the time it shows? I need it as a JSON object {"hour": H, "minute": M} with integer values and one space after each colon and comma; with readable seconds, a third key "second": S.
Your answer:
{"hour": 8, "minute": 20}
